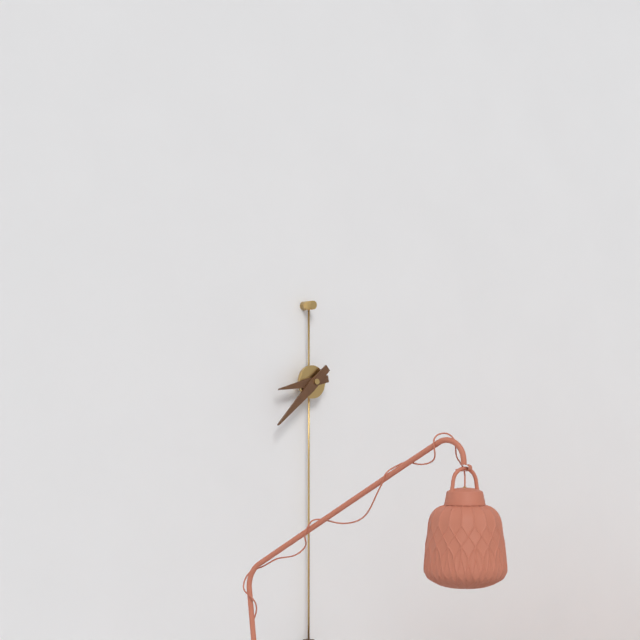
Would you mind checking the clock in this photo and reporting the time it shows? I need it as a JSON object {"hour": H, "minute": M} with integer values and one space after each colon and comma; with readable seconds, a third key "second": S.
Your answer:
{"hour": 8, "minute": 38}
